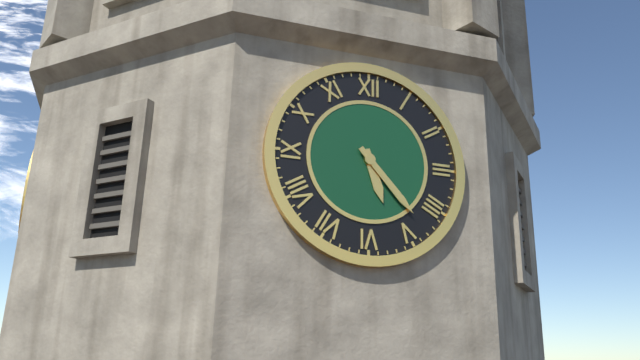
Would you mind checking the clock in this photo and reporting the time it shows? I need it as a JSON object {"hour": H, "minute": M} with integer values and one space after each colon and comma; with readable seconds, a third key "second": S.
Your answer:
{"hour": 5, "minute": 23}
